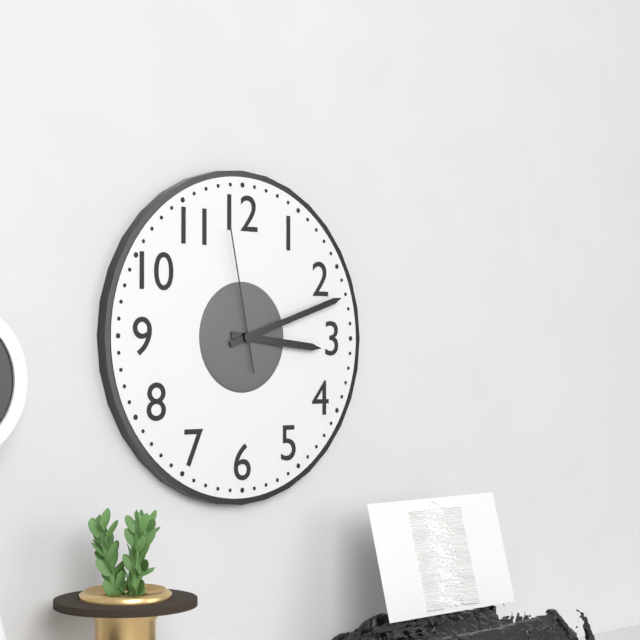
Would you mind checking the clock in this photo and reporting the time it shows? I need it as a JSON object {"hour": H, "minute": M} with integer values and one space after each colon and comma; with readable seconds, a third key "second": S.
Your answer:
{"hour": 3, "minute": 12, "second": 58}
